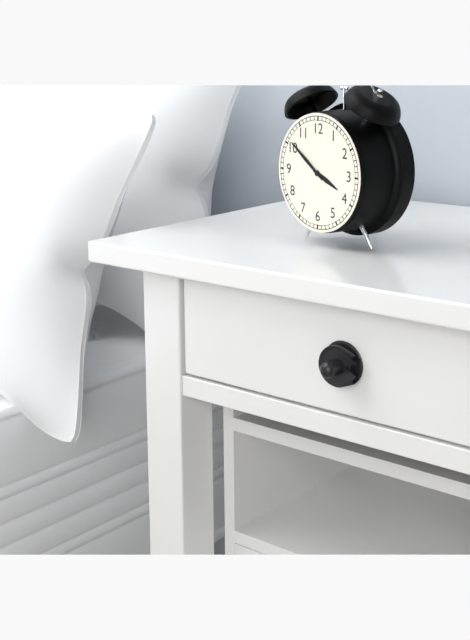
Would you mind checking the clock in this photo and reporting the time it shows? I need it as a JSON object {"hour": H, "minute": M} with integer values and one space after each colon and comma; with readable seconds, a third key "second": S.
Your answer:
{"hour": 3, "minute": 51}
